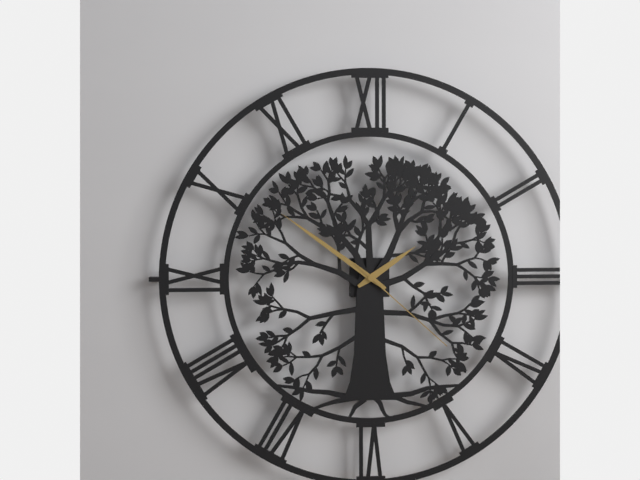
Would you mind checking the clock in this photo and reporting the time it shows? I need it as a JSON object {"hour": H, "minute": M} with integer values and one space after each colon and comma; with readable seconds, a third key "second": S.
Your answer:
{"hour": 1, "minute": 51, "second": 22}
